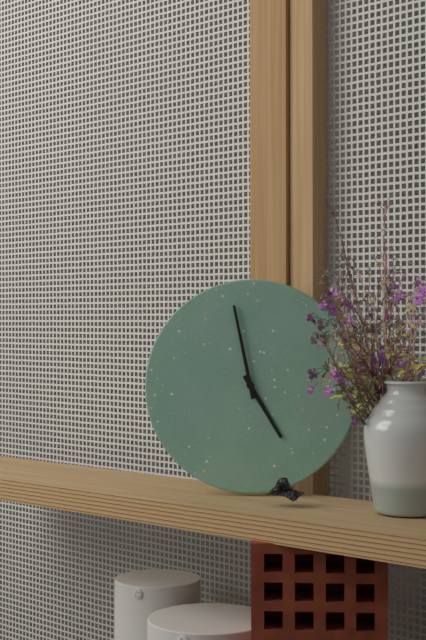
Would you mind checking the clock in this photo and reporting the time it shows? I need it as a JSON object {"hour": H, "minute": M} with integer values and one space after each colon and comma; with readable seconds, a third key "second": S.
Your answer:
{"hour": 4, "minute": 58}
